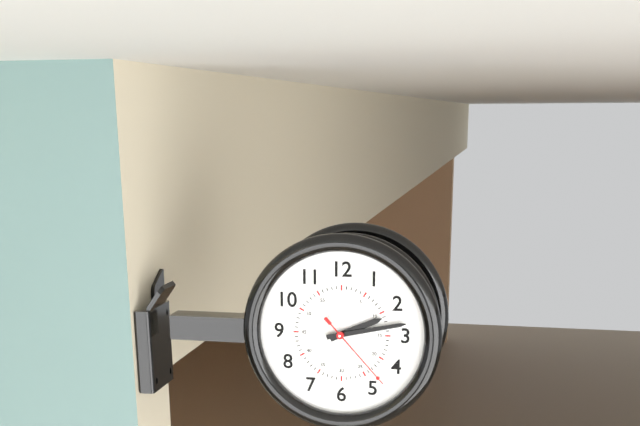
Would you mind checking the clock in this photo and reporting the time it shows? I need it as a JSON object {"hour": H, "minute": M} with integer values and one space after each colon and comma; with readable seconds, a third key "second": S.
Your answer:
{"hour": 2, "minute": 13, "second": 23}
